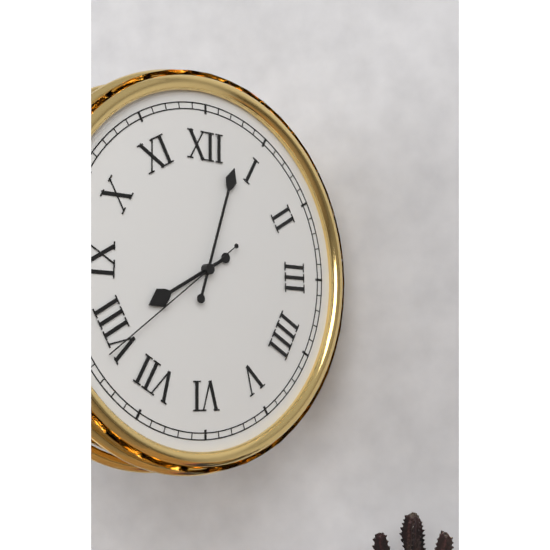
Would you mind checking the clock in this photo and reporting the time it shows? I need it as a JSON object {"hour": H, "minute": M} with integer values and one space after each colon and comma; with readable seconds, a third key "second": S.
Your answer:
{"hour": 8, "minute": 3, "second": 39}
